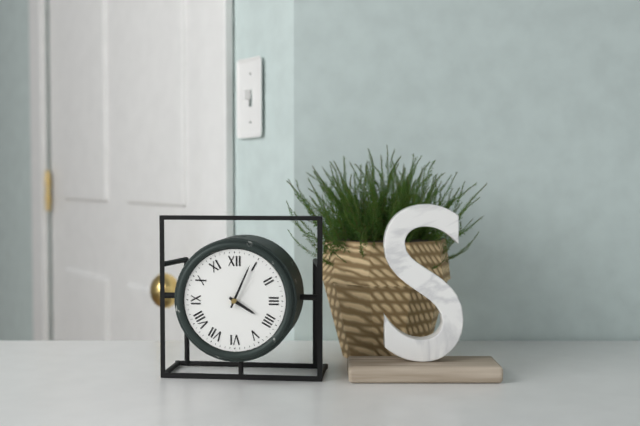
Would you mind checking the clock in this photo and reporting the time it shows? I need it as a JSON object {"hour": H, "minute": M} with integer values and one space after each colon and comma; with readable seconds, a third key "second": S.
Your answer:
{"hour": 4, "minute": 4}
